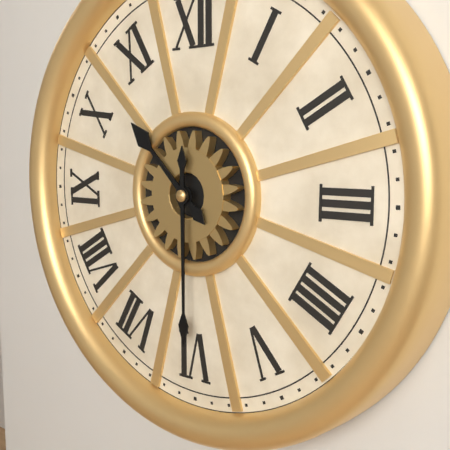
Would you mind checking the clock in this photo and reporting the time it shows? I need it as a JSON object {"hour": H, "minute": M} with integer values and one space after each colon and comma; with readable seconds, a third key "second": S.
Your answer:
{"hour": 10, "minute": 30}
